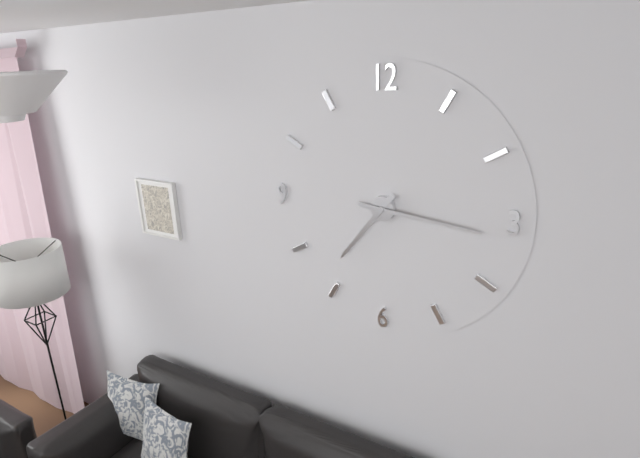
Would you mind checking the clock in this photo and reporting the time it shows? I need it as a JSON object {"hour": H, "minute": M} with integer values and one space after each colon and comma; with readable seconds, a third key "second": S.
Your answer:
{"hour": 7, "minute": 16}
